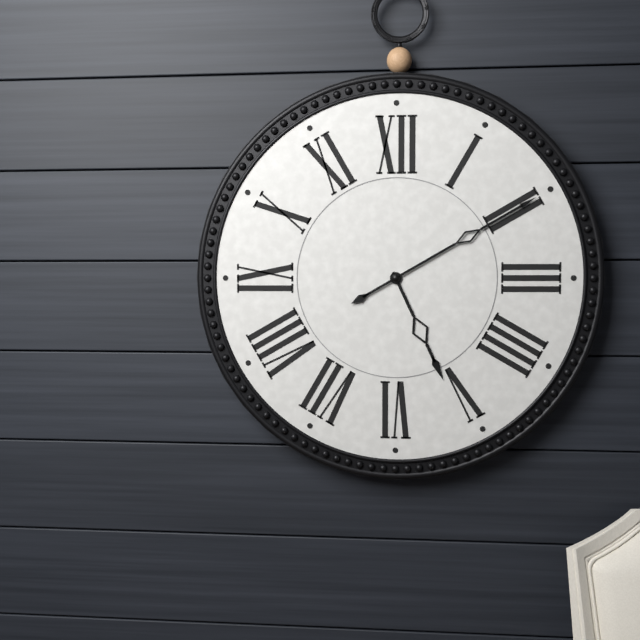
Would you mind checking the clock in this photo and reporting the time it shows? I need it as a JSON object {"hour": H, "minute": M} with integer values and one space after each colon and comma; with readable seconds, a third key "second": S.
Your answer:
{"hour": 5, "minute": 10}
